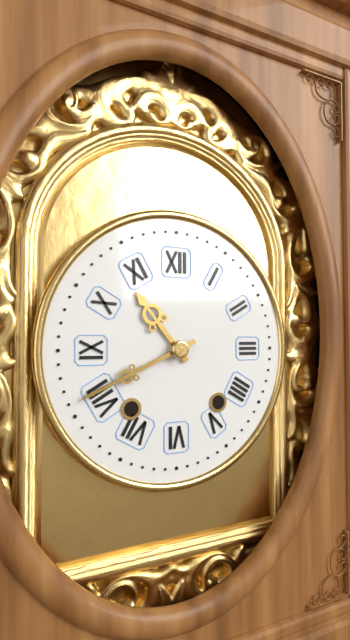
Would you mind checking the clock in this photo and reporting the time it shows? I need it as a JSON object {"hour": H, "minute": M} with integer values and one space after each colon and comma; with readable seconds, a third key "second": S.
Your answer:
{"hour": 10, "minute": 41}
